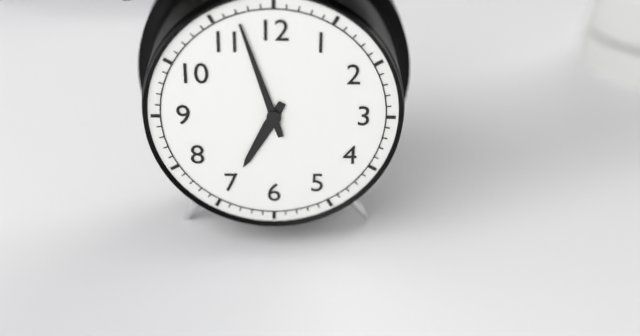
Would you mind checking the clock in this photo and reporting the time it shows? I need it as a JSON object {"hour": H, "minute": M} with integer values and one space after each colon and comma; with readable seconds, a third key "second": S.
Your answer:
{"hour": 6, "minute": 57}
